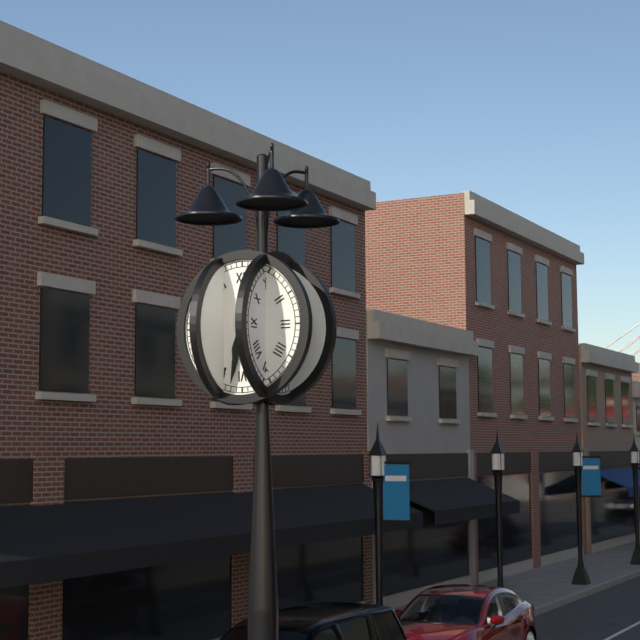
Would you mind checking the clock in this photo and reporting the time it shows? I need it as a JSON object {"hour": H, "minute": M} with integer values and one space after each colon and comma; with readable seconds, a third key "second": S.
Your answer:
{"hour": 6, "minute": 32}
